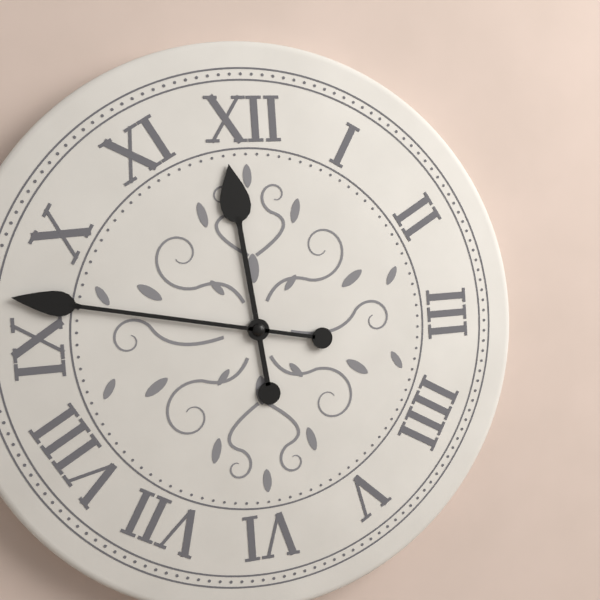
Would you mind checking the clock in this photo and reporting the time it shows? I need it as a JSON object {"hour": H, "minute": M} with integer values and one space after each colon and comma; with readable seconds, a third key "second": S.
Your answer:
{"hour": 11, "minute": 47}
